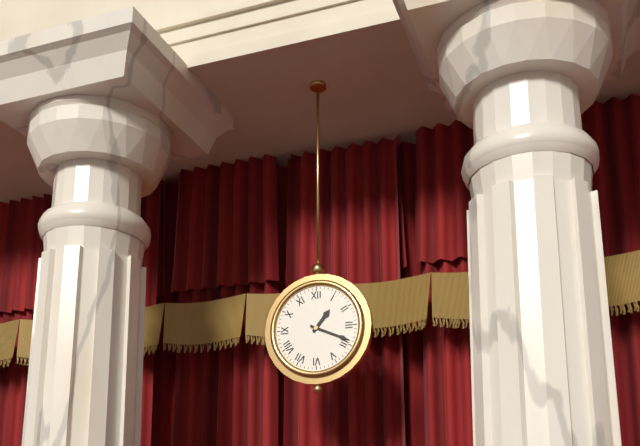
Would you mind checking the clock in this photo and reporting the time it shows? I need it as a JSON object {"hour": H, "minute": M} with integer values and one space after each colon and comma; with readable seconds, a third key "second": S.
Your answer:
{"hour": 1, "minute": 19}
